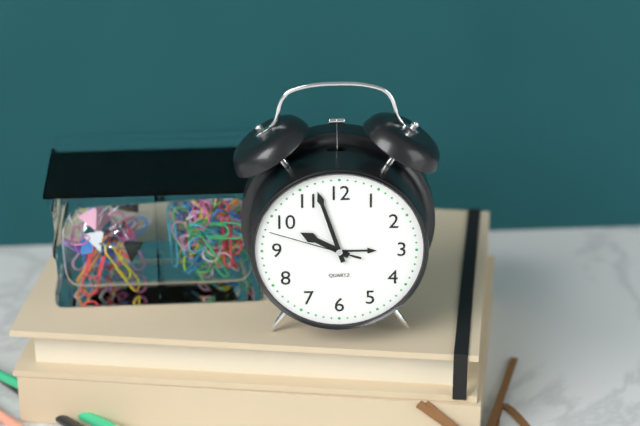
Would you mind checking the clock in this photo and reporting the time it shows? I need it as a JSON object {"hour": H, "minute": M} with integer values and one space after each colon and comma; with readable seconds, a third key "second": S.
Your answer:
{"hour": 9, "minute": 57, "second": 48}
